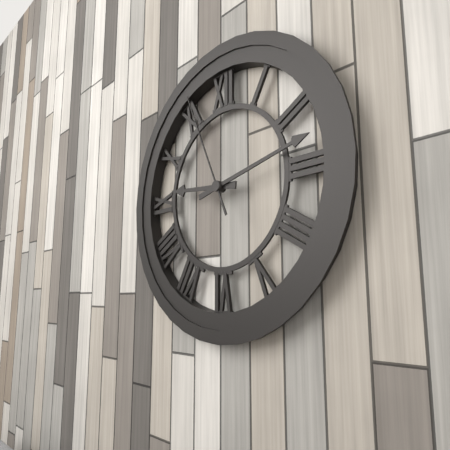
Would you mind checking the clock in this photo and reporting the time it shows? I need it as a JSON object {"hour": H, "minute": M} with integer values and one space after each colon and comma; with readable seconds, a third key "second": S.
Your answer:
{"hour": 9, "minute": 13, "second": 56}
